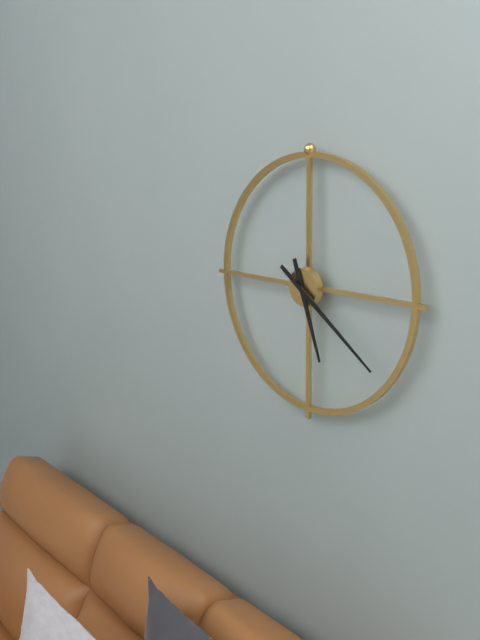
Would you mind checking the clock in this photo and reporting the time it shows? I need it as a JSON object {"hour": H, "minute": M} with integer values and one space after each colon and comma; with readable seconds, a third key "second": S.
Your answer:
{"hour": 5, "minute": 21}
